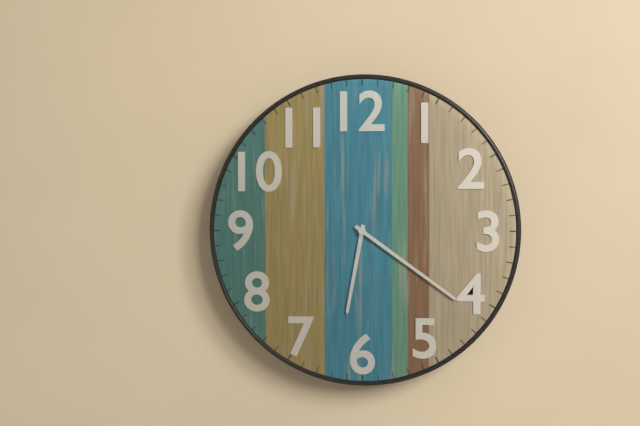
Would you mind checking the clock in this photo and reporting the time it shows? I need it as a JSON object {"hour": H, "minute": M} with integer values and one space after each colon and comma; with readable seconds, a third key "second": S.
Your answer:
{"hour": 6, "minute": 21}
